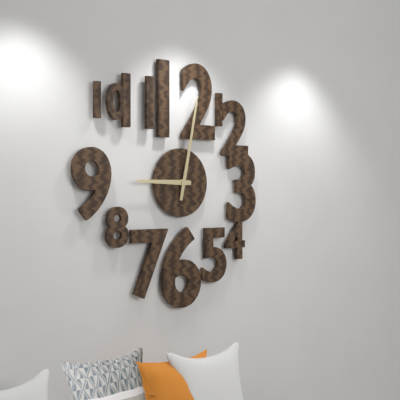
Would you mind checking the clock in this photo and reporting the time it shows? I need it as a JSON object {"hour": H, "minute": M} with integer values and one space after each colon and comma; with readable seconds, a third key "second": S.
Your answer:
{"hour": 9, "minute": 2}
